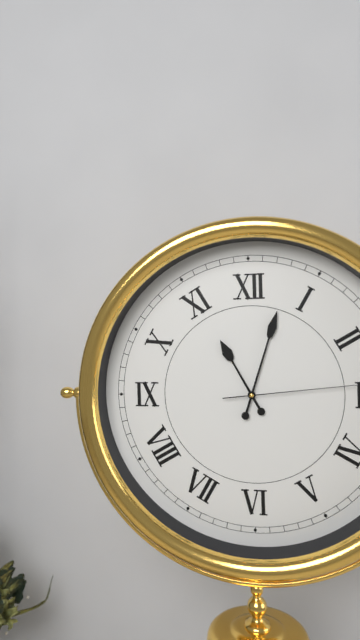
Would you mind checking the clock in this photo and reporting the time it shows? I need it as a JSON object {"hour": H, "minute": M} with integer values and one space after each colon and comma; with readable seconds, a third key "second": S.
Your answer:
{"hour": 11, "minute": 3, "second": 14}
